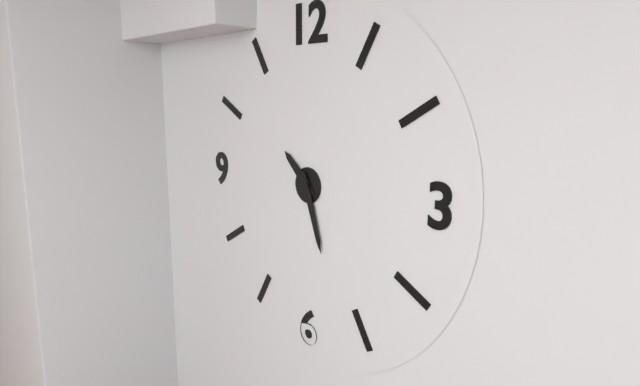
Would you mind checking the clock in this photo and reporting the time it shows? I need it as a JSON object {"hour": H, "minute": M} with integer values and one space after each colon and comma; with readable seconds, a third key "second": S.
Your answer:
{"hour": 10, "minute": 27}
